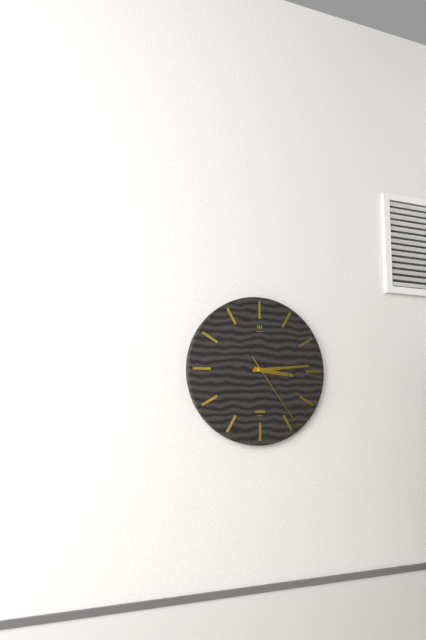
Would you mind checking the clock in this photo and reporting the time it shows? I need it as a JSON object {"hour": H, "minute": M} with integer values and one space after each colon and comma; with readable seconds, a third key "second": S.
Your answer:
{"hour": 3, "minute": 14, "second": 24}
